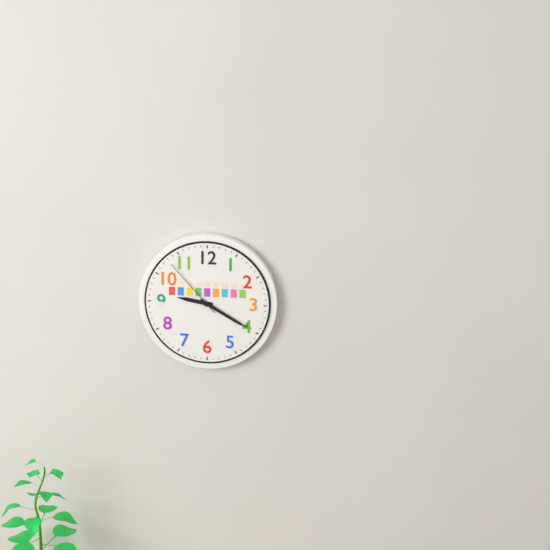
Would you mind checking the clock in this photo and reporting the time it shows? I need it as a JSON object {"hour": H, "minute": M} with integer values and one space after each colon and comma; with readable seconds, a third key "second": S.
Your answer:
{"hour": 9, "minute": 20, "second": 53}
